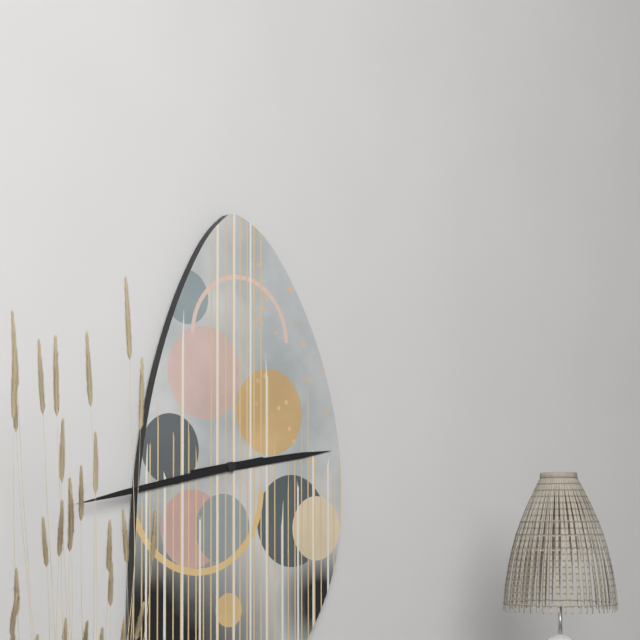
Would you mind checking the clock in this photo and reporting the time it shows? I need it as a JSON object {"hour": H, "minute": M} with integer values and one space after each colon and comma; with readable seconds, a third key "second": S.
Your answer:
{"hour": 2, "minute": 43}
